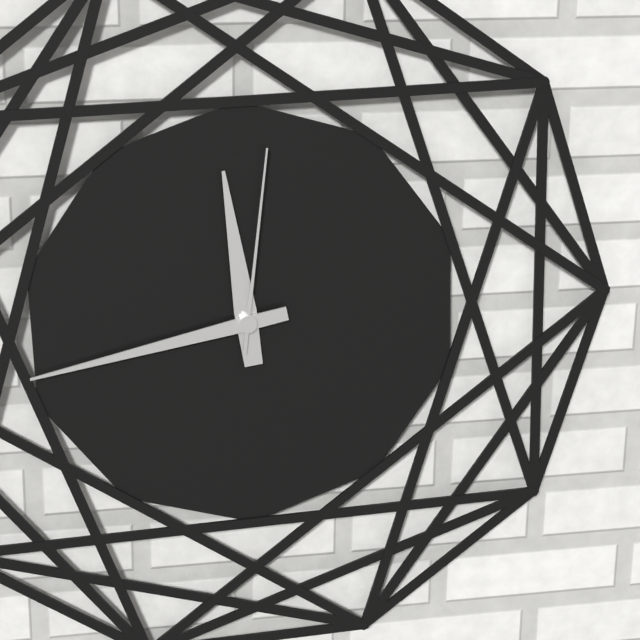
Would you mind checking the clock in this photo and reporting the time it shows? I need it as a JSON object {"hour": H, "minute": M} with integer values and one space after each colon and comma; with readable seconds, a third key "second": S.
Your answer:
{"hour": 11, "minute": 43, "second": 1}
